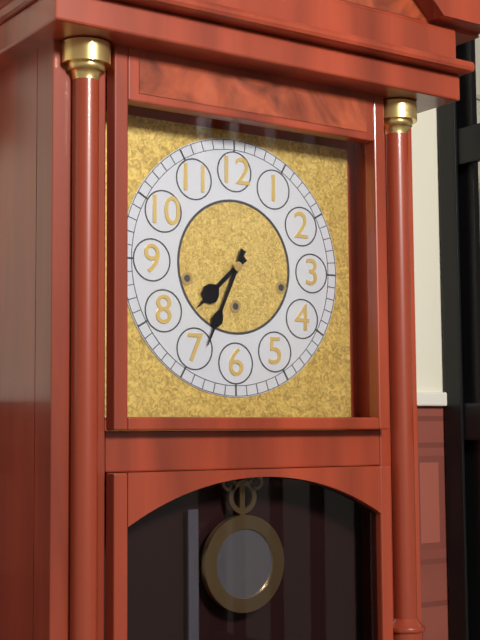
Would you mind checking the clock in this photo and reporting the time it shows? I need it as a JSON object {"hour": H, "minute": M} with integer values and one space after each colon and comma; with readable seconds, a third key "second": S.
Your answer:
{"hour": 7, "minute": 34}
